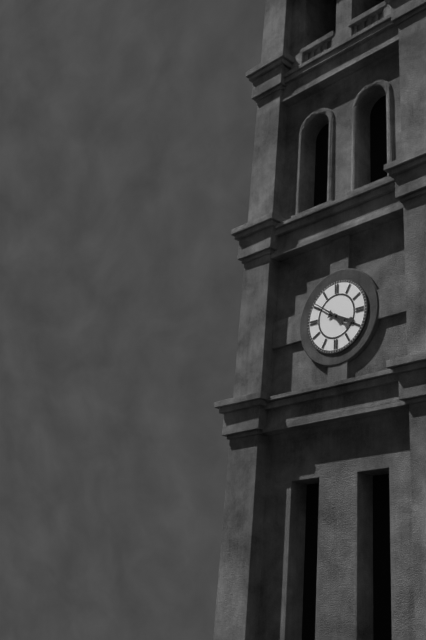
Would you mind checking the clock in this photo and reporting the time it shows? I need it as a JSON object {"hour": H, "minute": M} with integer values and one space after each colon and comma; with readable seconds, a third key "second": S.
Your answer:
{"hour": 3, "minute": 51}
